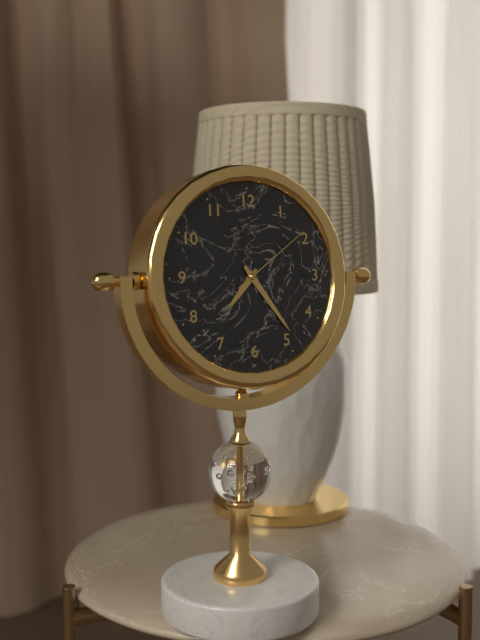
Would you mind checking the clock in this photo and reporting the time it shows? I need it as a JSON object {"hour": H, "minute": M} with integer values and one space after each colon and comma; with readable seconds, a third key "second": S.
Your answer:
{"hour": 7, "minute": 24, "second": 9}
